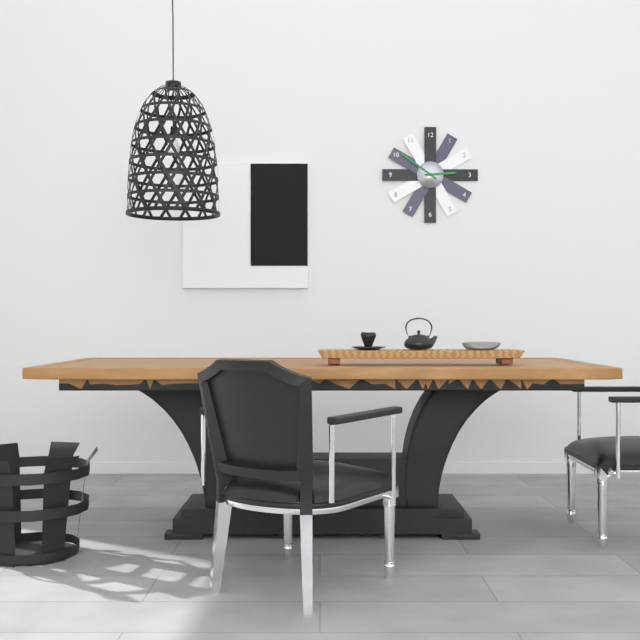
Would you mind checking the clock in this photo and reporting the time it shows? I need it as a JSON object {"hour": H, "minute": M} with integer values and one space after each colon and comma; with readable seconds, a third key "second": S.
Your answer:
{"hour": 2, "minute": 51}
